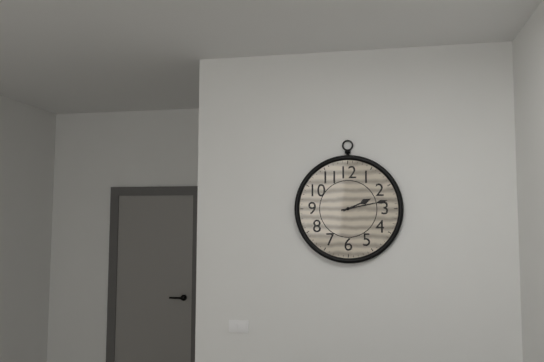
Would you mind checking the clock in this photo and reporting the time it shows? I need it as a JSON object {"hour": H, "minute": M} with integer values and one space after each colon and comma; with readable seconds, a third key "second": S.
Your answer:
{"hour": 2, "minute": 13}
